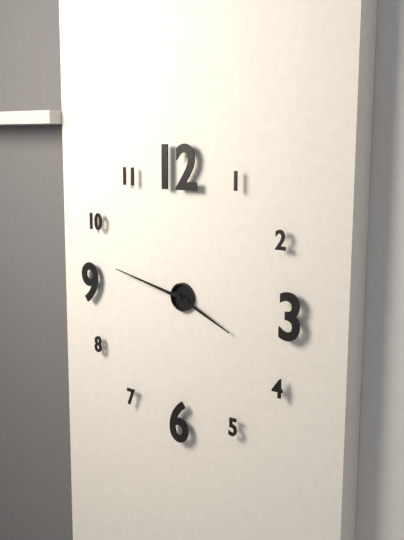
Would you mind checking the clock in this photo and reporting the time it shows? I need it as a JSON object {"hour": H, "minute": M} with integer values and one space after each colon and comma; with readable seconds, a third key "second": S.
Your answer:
{"hour": 3, "minute": 47}
